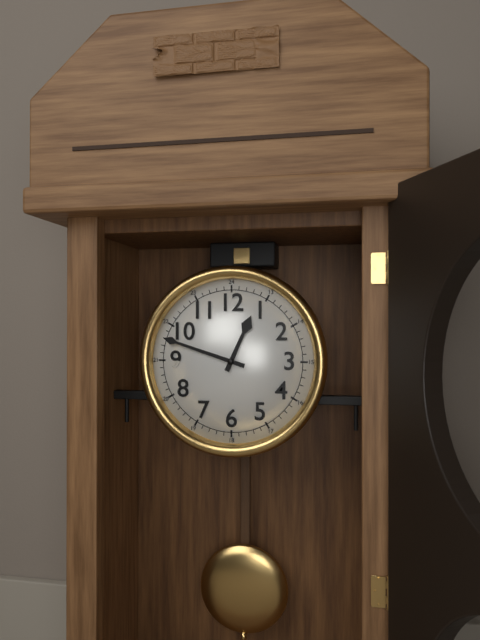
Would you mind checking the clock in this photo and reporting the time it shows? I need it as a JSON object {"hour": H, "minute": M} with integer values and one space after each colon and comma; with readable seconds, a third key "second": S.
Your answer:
{"hour": 12, "minute": 48}
